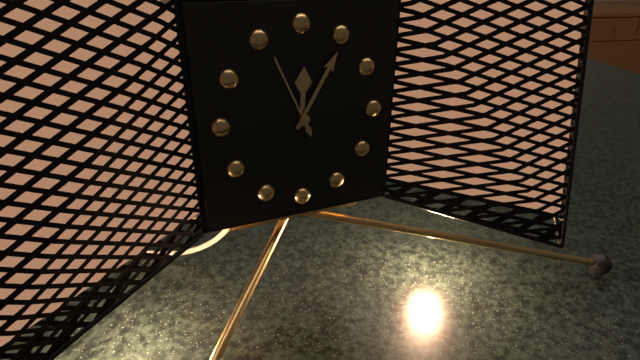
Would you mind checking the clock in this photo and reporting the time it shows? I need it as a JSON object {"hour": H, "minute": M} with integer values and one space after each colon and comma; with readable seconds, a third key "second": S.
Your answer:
{"hour": 12, "minute": 5, "second": 56}
